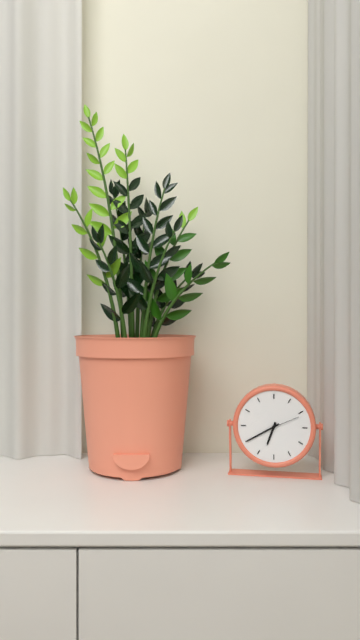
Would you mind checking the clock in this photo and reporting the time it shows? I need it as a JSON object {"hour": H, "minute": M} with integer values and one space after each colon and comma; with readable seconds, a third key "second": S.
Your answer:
{"hour": 6, "minute": 40}
